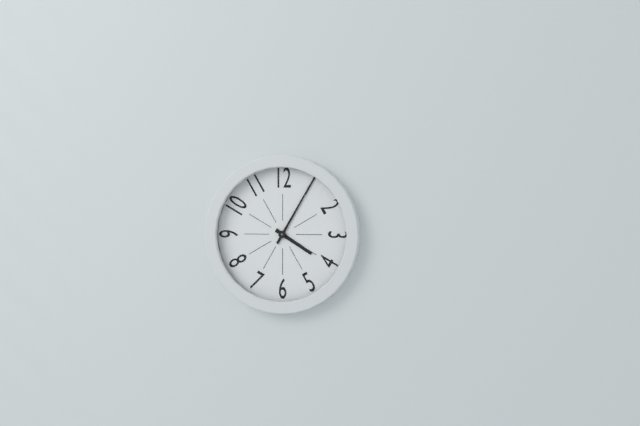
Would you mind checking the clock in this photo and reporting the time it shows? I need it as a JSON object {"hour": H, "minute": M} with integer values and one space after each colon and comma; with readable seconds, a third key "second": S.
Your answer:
{"hour": 4, "minute": 5}
